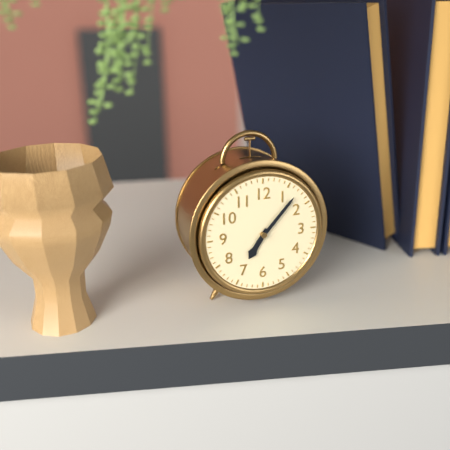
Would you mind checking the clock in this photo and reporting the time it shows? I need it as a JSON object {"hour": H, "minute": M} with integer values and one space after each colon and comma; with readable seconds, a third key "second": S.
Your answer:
{"hour": 7, "minute": 7}
